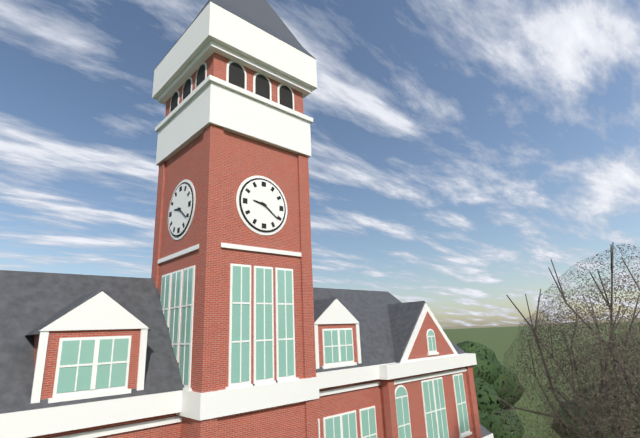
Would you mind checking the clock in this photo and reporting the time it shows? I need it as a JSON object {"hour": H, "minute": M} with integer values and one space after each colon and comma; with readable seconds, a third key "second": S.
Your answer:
{"hour": 9, "minute": 21}
